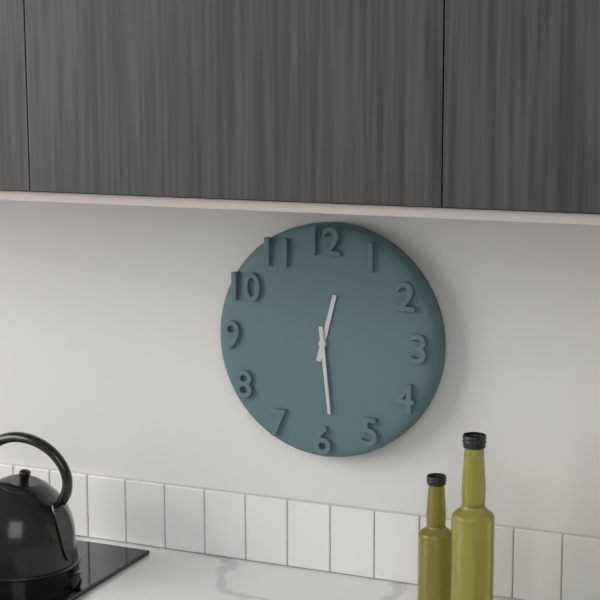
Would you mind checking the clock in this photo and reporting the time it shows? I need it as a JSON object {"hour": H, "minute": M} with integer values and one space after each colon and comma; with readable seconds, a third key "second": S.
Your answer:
{"hour": 12, "minute": 29}
